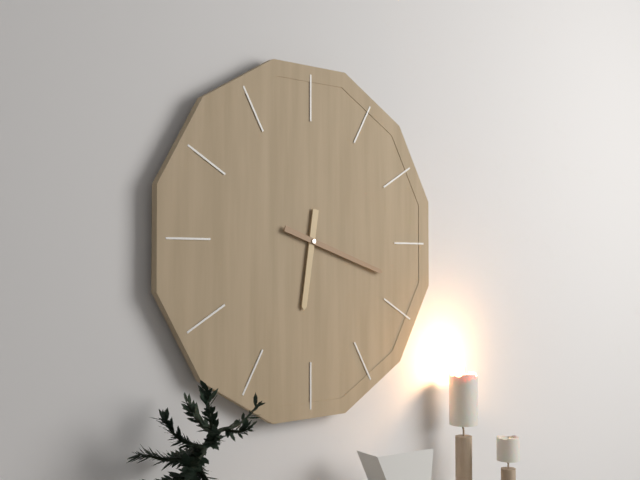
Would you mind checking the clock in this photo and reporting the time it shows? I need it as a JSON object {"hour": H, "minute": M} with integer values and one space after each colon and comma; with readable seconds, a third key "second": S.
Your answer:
{"hour": 6, "minute": 18}
